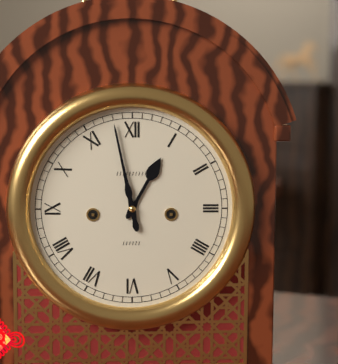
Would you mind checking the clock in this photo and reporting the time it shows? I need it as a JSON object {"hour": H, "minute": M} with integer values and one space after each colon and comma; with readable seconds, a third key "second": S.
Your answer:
{"hour": 12, "minute": 58}
